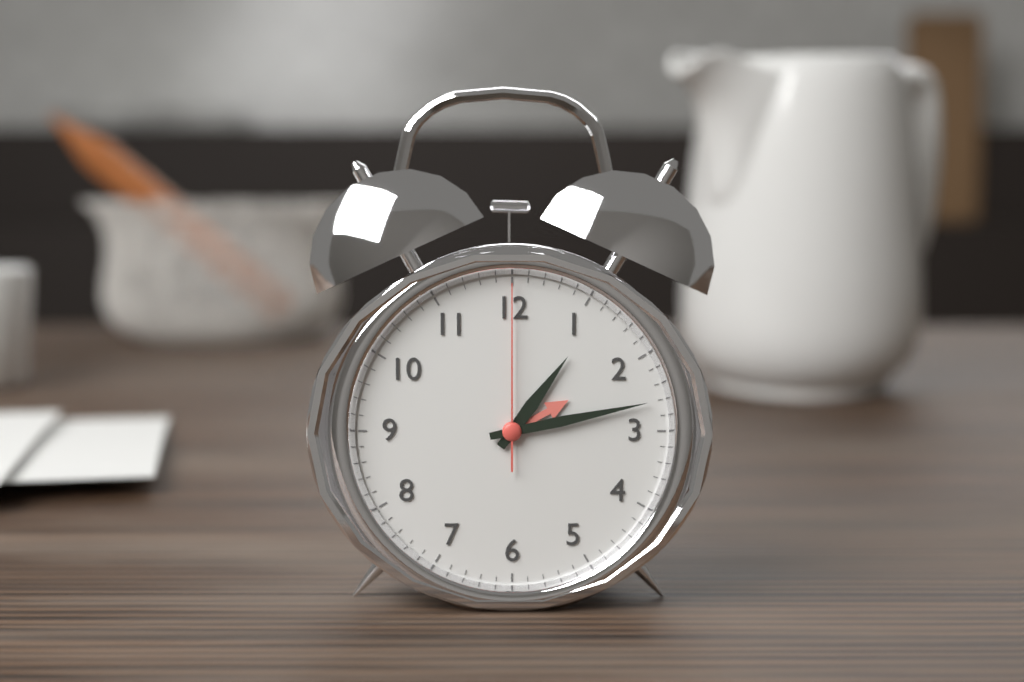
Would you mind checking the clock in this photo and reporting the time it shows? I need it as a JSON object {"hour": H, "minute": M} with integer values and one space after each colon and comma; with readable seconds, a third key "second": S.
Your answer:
{"hour": 1, "minute": 13, "second": 0}
